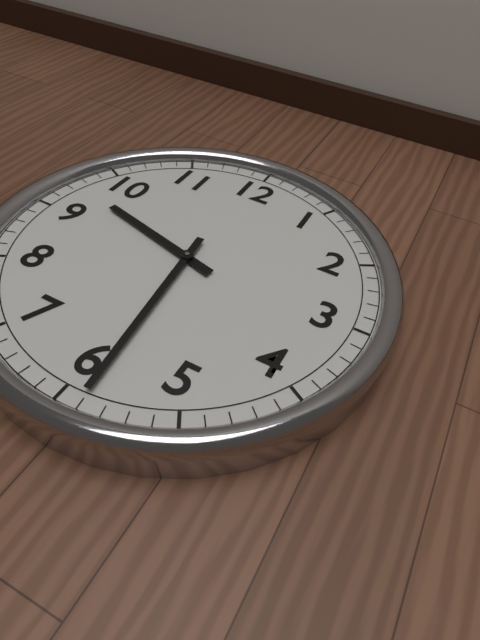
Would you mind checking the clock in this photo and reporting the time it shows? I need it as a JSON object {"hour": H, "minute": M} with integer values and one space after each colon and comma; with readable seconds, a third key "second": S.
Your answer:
{"hour": 9, "minute": 29}
